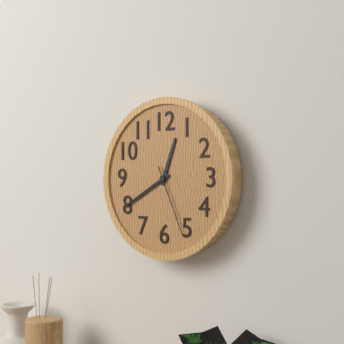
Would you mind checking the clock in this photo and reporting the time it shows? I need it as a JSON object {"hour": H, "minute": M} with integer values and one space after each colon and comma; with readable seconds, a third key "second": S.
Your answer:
{"hour": 12, "minute": 40, "second": 26}
